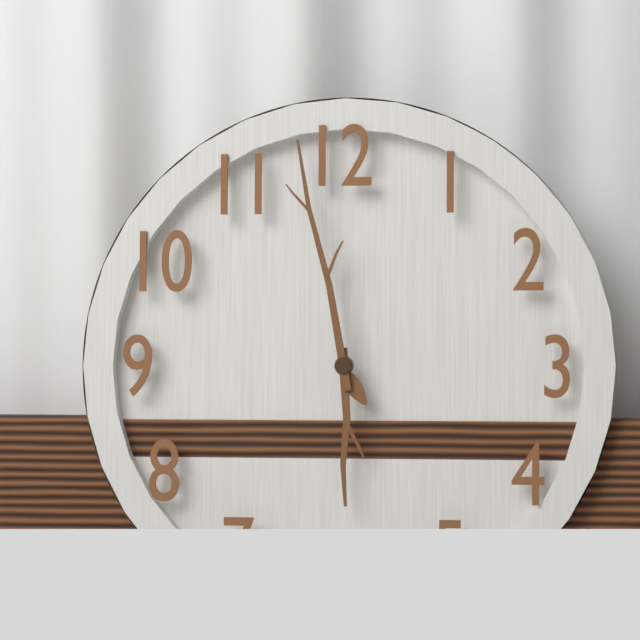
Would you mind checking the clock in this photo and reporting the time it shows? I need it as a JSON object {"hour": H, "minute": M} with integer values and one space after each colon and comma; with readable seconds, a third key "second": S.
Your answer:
{"hour": 5, "minute": 58}
